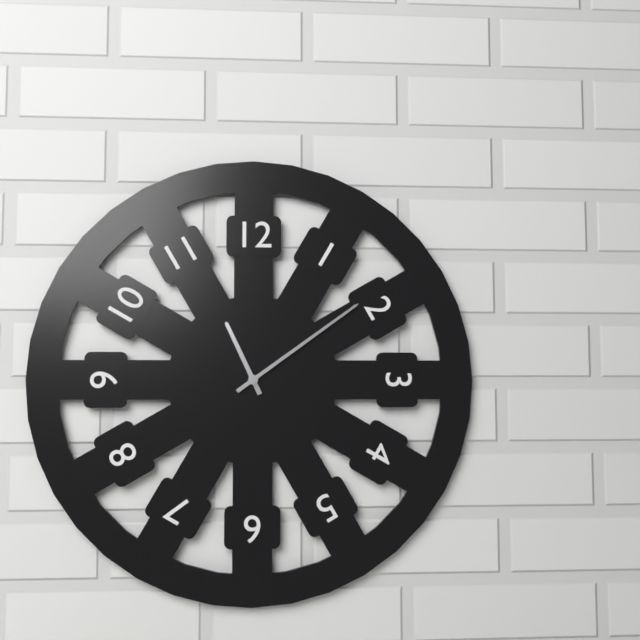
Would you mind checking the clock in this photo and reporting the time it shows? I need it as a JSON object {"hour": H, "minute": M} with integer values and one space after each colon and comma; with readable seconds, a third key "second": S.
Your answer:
{"hour": 11, "minute": 9}
